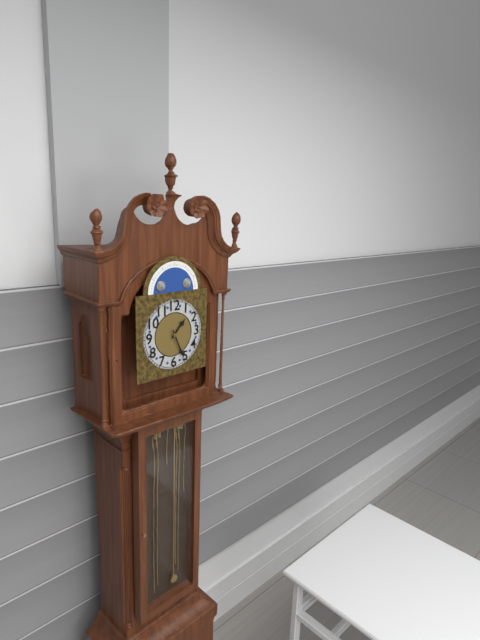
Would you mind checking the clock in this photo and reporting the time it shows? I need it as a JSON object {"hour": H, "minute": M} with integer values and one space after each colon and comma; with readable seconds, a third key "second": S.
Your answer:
{"hour": 1, "minute": 26}
